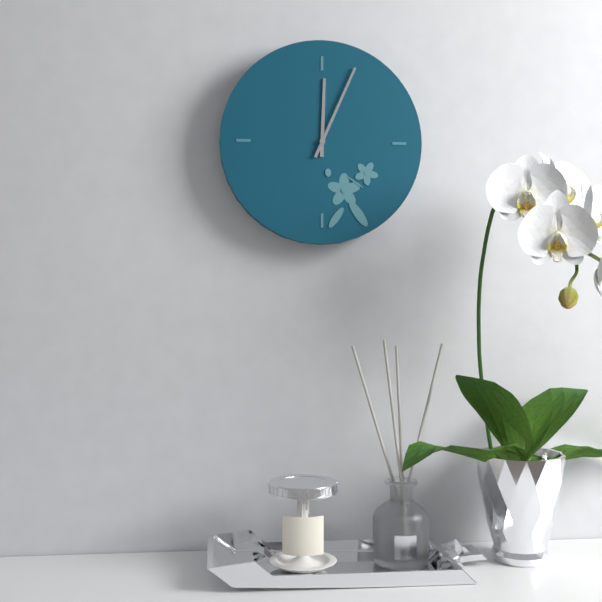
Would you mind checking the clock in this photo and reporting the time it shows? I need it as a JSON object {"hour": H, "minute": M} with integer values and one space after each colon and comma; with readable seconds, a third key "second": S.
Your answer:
{"hour": 12, "minute": 4}
